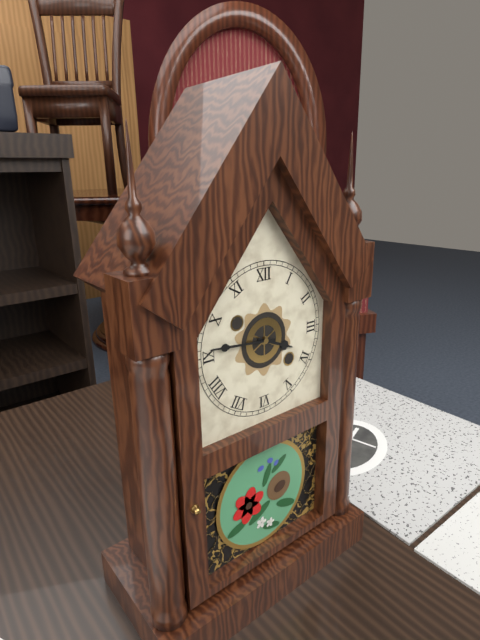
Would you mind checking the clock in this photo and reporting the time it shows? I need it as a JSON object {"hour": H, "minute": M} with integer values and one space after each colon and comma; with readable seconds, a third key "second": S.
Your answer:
{"hour": 3, "minute": 46}
